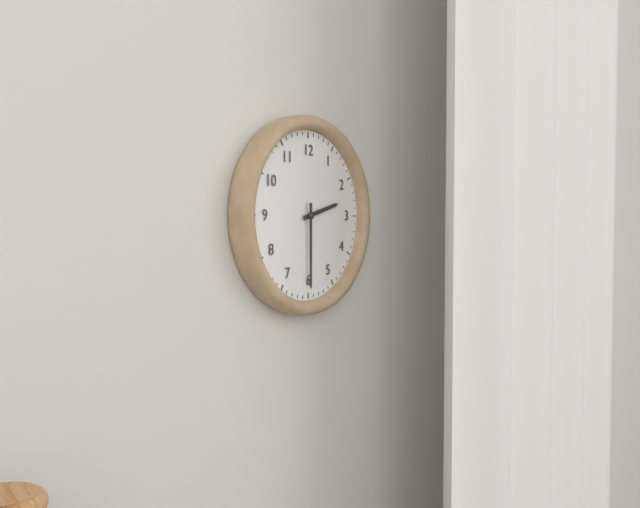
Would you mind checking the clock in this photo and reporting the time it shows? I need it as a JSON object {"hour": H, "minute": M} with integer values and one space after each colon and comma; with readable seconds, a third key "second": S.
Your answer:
{"hour": 2, "minute": 30}
